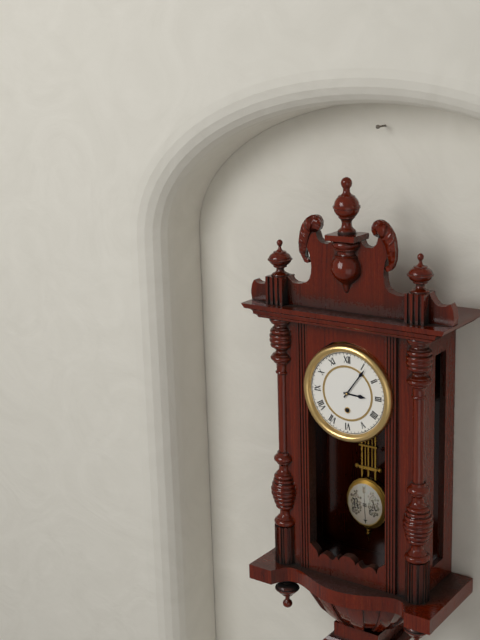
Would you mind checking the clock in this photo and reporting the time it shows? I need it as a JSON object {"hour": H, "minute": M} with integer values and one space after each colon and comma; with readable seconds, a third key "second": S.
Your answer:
{"hour": 3, "minute": 6}
